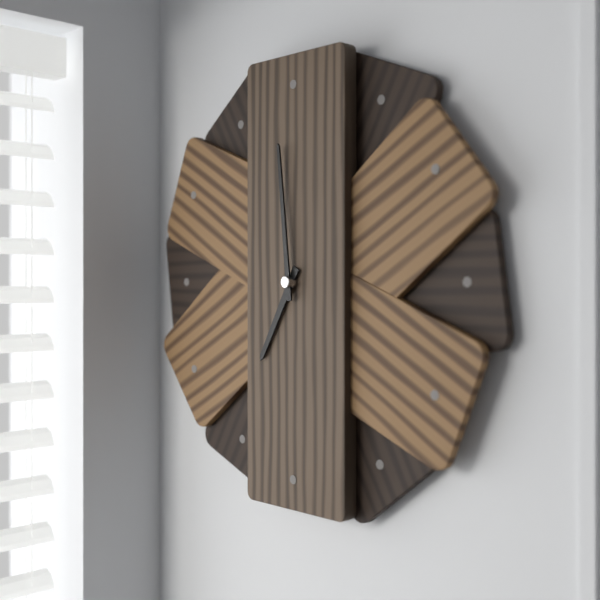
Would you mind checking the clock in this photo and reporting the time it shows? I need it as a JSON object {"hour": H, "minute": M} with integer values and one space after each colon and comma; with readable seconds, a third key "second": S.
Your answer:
{"hour": 6, "minute": 59}
